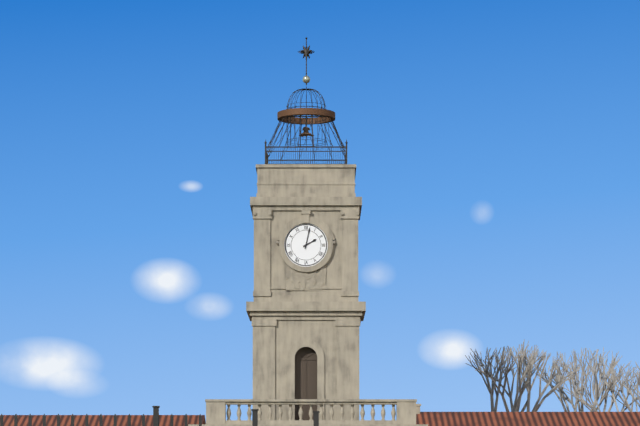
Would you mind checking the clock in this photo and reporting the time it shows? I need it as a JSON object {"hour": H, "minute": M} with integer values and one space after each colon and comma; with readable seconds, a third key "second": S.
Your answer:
{"hour": 2, "minute": 2}
